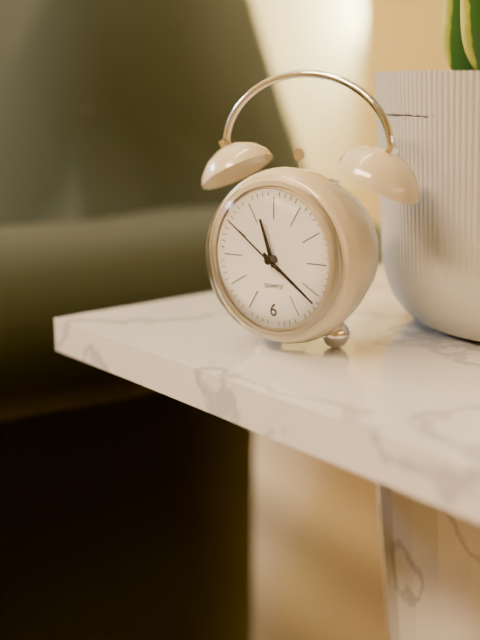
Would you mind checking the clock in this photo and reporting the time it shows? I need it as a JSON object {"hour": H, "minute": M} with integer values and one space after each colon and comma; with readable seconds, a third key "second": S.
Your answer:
{"hour": 11, "minute": 21, "second": 51}
